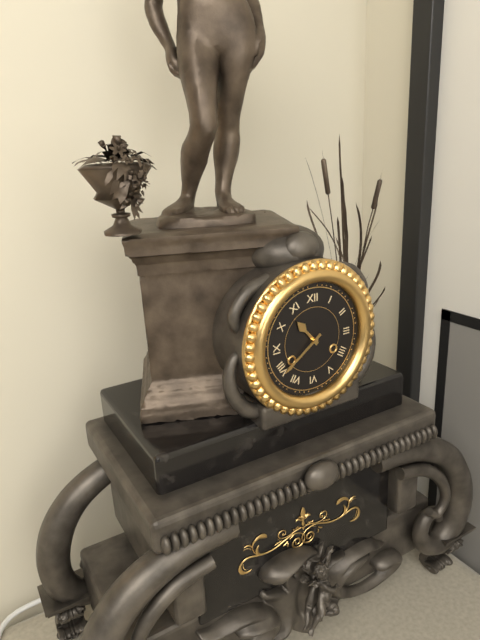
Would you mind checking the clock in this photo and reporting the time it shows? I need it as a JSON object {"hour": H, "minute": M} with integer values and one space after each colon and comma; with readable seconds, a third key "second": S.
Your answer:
{"hour": 10, "minute": 39}
